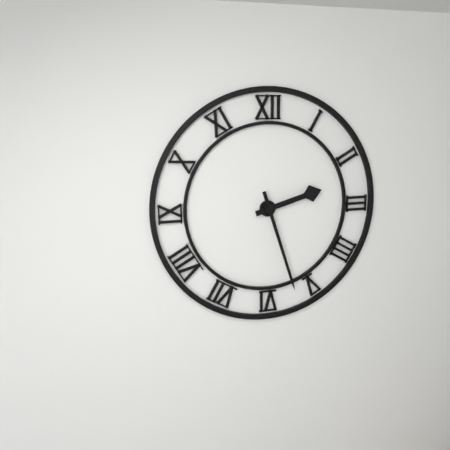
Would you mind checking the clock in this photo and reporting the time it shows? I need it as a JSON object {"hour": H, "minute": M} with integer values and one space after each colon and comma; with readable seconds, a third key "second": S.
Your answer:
{"hour": 2, "minute": 27}
